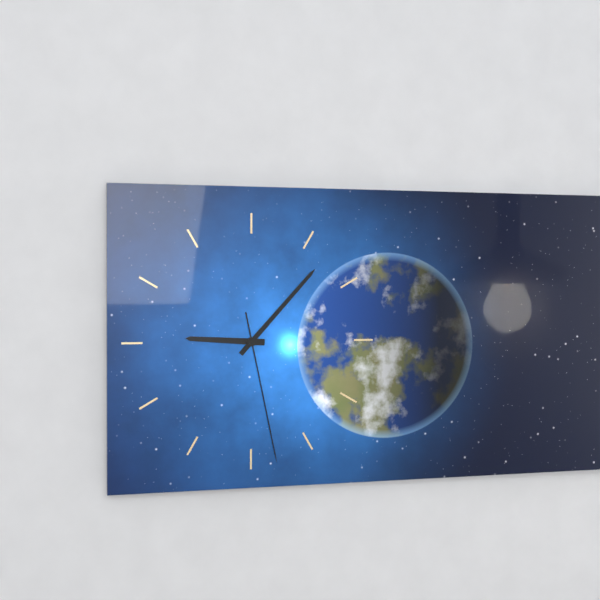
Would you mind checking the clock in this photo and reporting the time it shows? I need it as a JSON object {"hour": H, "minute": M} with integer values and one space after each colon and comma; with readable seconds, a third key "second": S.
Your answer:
{"hour": 9, "minute": 7, "second": 28}
